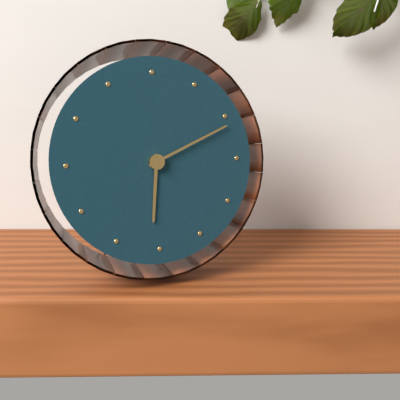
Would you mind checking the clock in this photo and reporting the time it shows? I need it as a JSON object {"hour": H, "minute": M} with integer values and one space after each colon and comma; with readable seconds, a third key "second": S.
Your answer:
{"hour": 6, "minute": 11}
